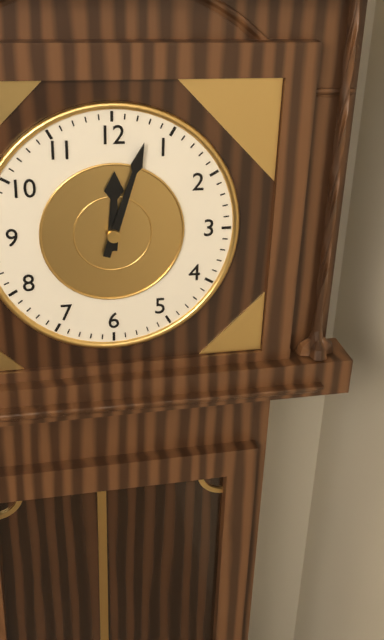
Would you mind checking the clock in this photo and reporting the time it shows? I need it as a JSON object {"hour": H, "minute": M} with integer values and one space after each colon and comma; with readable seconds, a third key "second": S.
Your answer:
{"hour": 12, "minute": 3}
